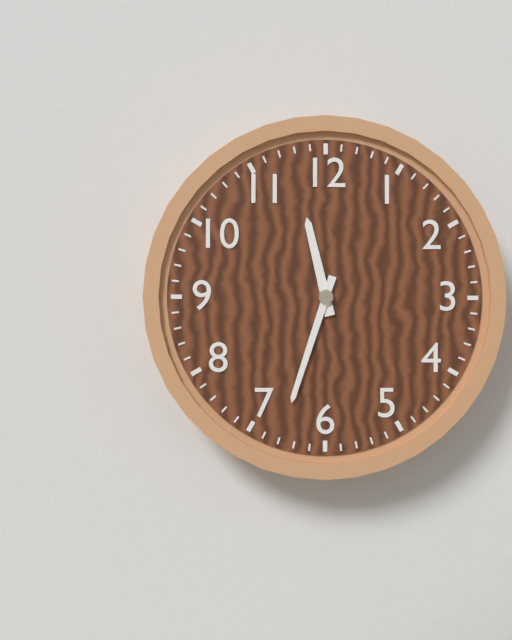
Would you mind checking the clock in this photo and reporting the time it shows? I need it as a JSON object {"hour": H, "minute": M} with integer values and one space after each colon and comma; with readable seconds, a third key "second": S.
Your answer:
{"hour": 11, "minute": 33}
